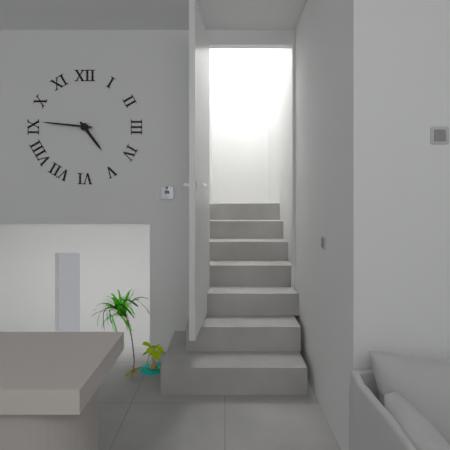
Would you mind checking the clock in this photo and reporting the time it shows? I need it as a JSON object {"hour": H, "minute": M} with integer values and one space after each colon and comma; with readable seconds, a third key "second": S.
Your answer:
{"hour": 4, "minute": 46}
